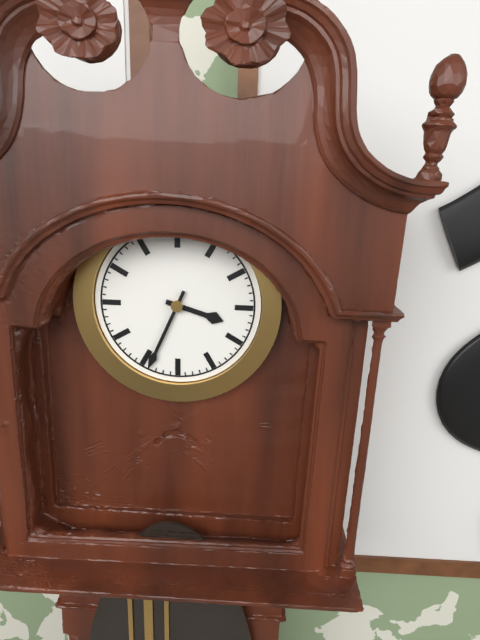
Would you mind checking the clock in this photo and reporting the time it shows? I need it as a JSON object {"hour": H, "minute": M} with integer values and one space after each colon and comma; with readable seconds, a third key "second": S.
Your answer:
{"hour": 3, "minute": 34}
